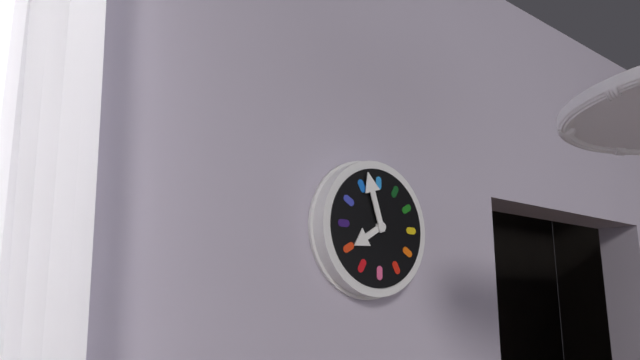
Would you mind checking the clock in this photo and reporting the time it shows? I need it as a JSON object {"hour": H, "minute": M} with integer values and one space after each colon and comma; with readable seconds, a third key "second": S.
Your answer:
{"hour": 7, "minute": 57}
